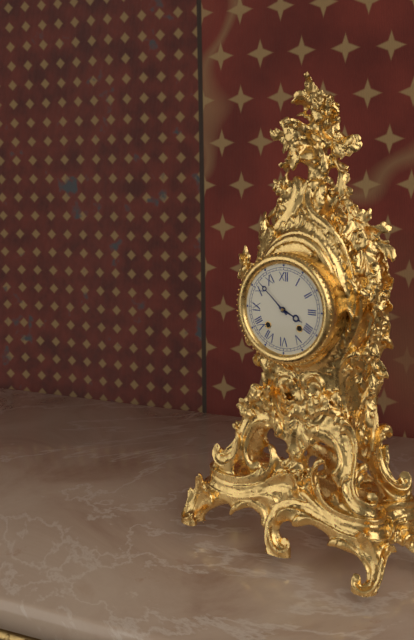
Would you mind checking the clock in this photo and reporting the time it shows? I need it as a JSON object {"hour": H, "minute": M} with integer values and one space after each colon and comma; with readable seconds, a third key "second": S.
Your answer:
{"hour": 3, "minute": 52}
